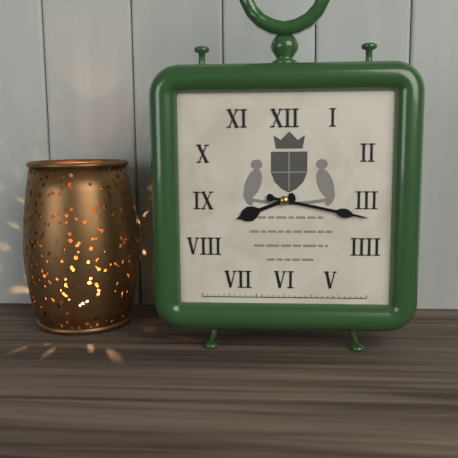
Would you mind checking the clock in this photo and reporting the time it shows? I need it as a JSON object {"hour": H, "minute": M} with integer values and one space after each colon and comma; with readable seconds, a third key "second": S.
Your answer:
{"hour": 8, "minute": 17}
